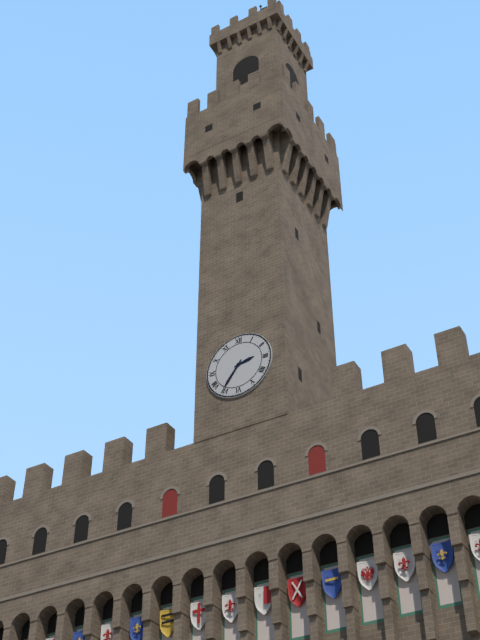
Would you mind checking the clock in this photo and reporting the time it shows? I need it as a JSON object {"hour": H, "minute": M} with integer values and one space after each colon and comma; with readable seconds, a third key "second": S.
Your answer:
{"hour": 2, "minute": 36}
